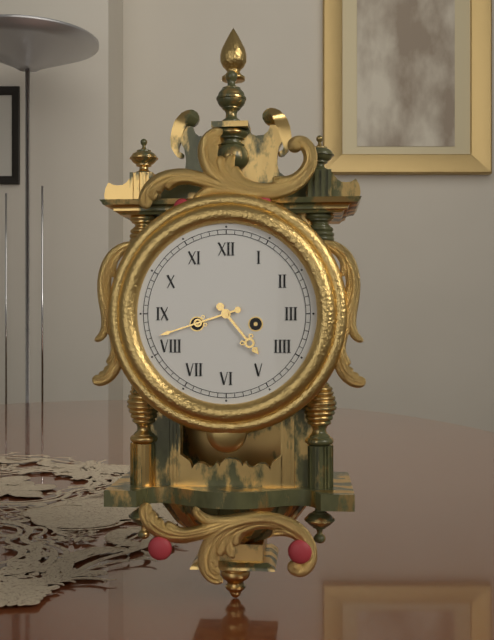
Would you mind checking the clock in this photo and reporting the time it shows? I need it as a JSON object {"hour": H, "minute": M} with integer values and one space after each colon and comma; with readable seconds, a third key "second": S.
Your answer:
{"hour": 4, "minute": 42}
